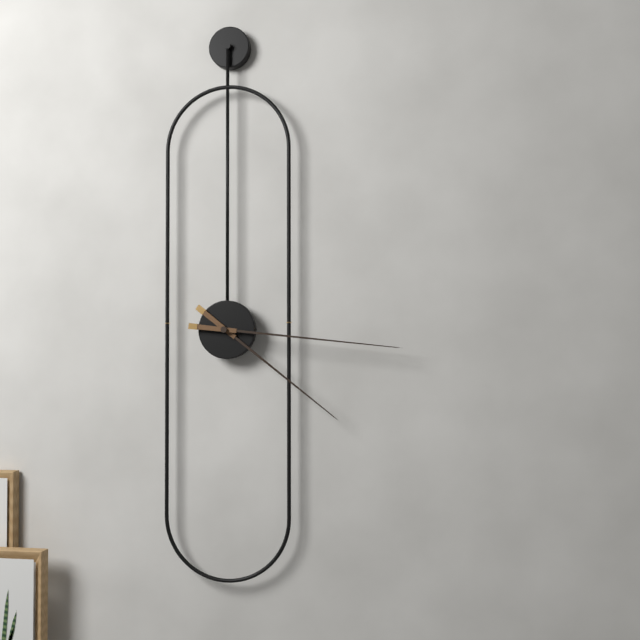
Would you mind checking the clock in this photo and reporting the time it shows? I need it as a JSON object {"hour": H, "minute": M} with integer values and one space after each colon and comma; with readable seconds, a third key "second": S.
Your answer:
{"hour": 4, "minute": 16}
